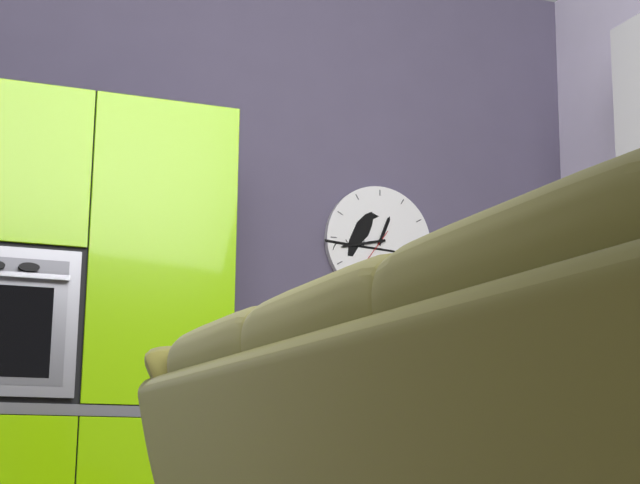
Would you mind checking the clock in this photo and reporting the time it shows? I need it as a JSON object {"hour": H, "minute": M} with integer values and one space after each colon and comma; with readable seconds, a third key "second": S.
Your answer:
{"hour": 12, "minute": 43}
